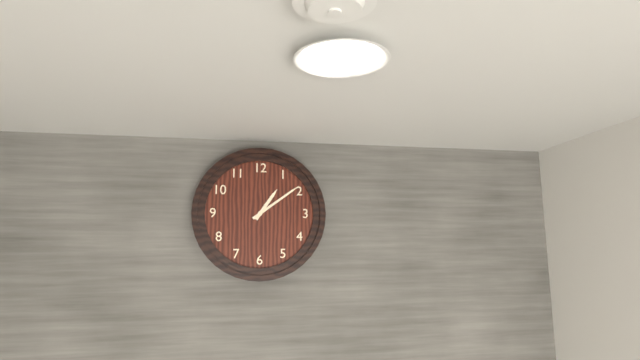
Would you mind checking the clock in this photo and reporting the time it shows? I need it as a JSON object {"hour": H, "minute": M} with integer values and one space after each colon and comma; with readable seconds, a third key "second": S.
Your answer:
{"hour": 1, "minute": 9}
